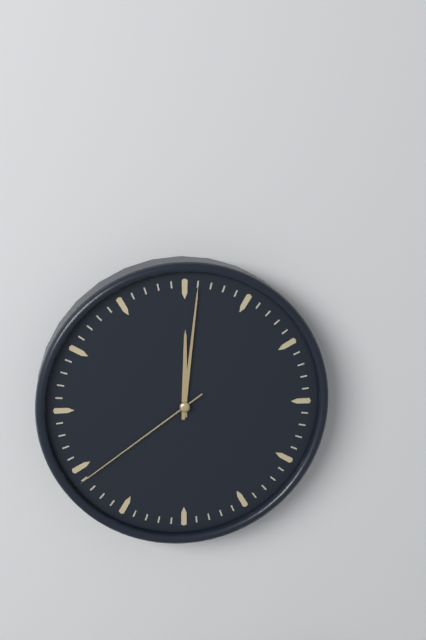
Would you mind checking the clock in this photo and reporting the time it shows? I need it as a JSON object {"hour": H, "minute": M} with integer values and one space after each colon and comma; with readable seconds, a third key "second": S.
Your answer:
{"hour": 12, "minute": 1, "second": 39}
